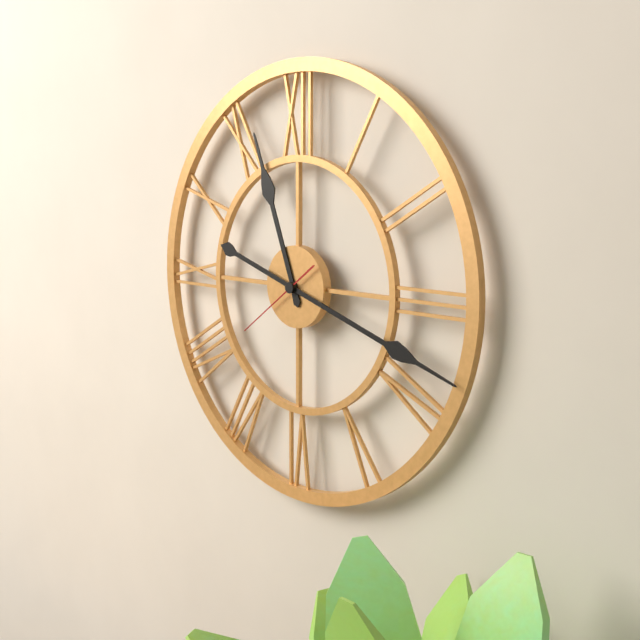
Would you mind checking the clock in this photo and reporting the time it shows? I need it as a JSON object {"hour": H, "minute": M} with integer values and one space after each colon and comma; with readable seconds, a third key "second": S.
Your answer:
{"hour": 11, "minute": 18, "second": 39}
